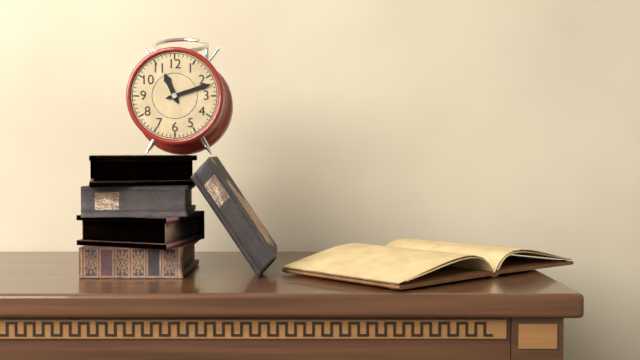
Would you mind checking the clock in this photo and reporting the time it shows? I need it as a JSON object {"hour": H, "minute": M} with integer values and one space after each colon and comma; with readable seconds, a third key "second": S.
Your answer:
{"hour": 11, "minute": 12}
